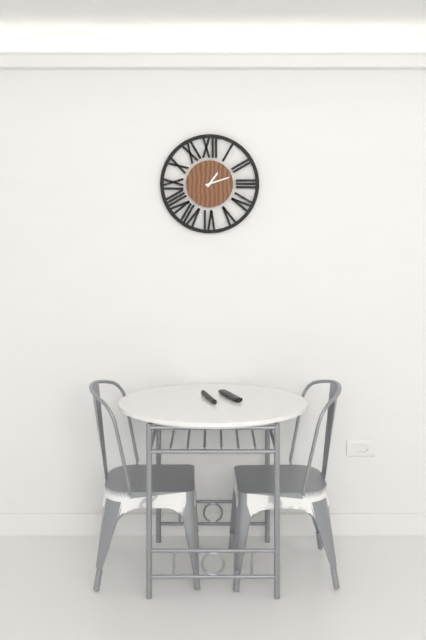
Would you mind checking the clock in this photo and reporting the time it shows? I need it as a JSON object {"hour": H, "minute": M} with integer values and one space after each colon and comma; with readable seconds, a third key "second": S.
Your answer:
{"hour": 1, "minute": 12}
